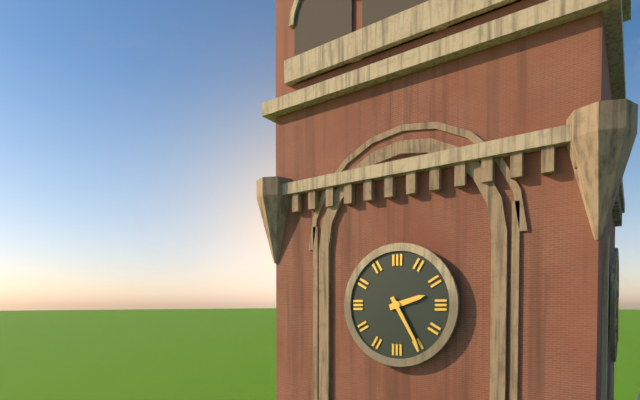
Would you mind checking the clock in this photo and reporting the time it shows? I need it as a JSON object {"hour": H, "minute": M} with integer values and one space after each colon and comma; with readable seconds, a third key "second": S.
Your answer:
{"hour": 2, "minute": 25}
